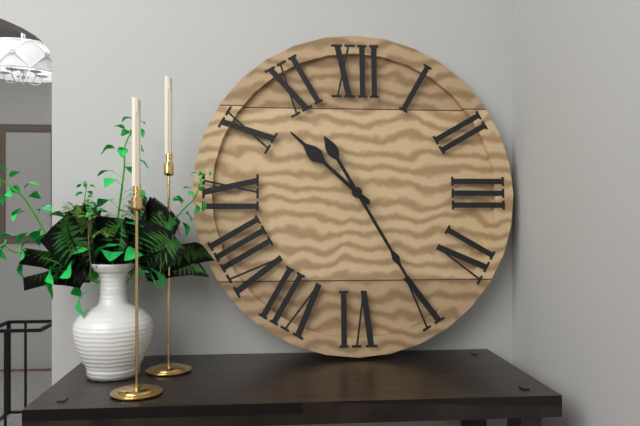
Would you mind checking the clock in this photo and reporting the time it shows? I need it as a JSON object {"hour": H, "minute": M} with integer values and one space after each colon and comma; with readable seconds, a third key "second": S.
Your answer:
{"hour": 10, "minute": 25}
